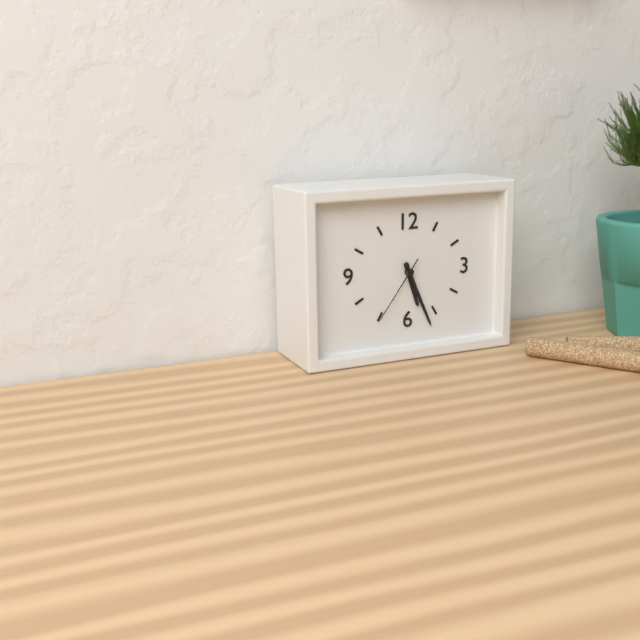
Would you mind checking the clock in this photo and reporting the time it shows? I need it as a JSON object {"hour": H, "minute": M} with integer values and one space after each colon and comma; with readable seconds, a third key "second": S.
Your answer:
{"hour": 5, "minute": 26, "second": 36}
